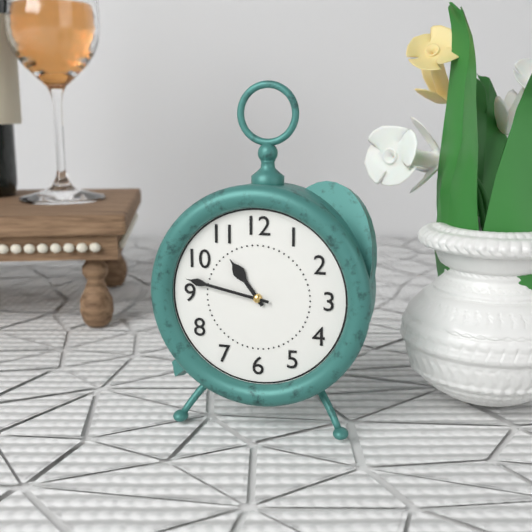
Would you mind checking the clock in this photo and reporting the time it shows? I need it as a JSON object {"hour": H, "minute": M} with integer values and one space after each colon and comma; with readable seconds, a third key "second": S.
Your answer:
{"hour": 10, "minute": 47}
